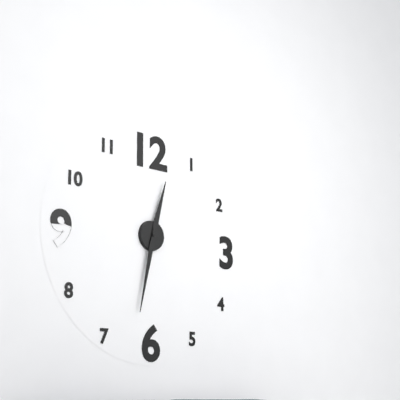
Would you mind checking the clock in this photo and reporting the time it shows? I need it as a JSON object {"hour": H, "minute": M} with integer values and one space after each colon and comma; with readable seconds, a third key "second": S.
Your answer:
{"hour": 12, "minute": 32}
